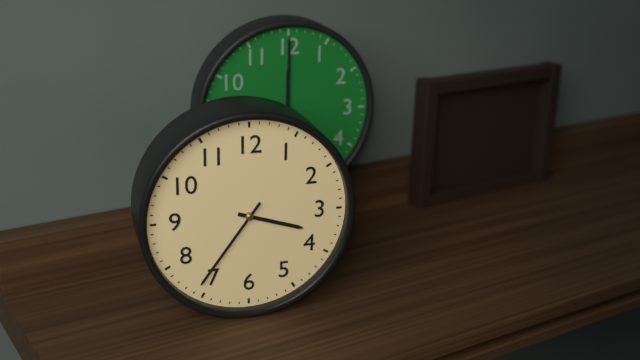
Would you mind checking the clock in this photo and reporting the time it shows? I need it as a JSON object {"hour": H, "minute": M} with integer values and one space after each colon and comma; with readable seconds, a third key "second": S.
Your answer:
{"hour": 3, "minute": 36}
